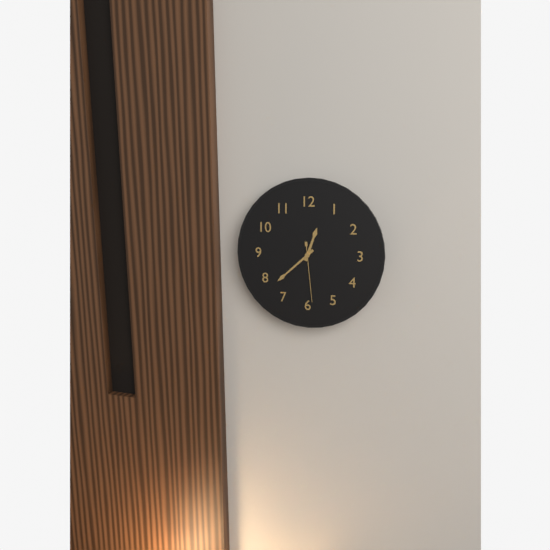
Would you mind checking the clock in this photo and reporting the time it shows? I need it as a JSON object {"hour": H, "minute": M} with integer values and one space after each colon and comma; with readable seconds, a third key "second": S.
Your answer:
{"hour": 12, "minute": 38, "second": 29}
